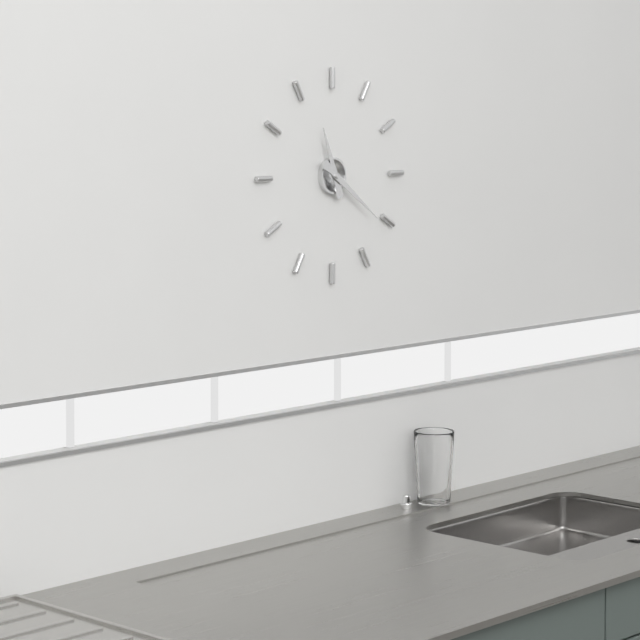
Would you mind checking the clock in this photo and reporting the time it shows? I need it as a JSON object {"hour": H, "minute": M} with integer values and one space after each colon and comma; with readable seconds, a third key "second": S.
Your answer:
{"hour": 11, "minute": 21}
